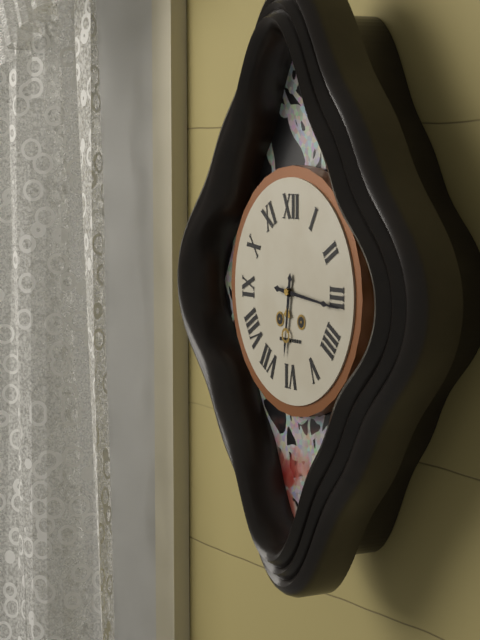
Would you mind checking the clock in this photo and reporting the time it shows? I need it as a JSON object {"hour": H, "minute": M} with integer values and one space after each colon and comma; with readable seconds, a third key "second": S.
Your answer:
{"hour": 6, "minute": 16}
